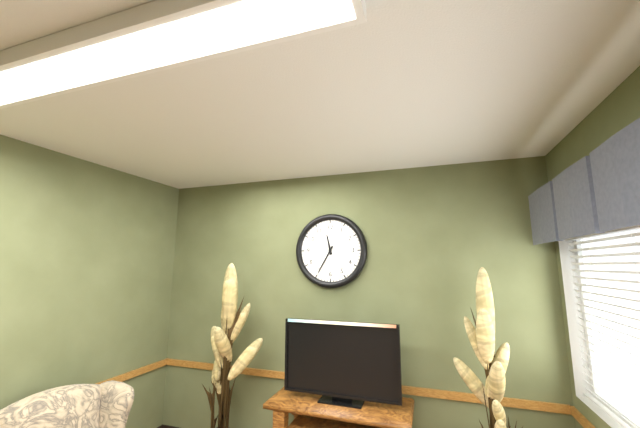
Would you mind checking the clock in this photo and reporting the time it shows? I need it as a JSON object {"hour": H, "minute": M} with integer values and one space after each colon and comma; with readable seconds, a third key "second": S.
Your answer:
{"hour": 11, "minute": 35}
